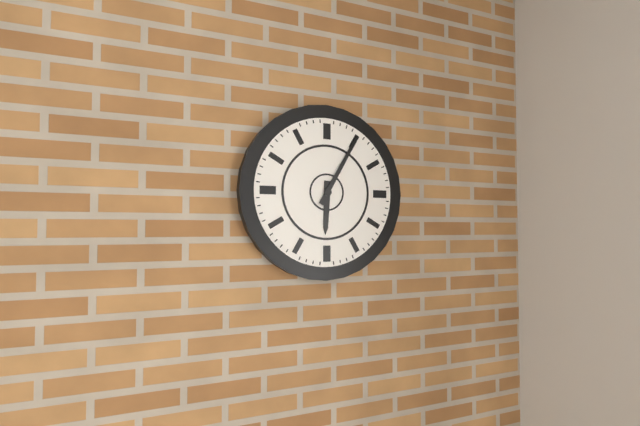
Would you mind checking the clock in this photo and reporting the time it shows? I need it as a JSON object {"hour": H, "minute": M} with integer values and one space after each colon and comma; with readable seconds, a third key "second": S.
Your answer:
{"hour": 6, "minute": 5}
